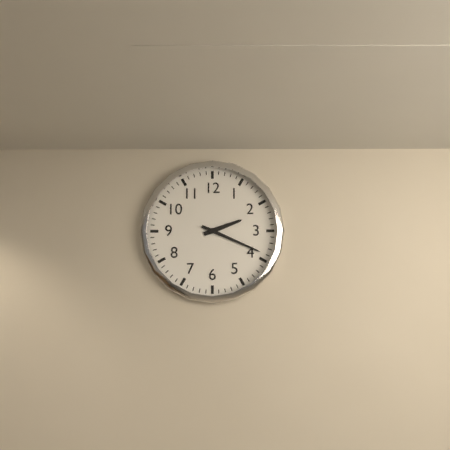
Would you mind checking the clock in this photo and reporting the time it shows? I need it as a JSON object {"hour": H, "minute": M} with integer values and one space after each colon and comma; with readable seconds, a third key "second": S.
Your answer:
{"hour": 2, "minute": 19}
